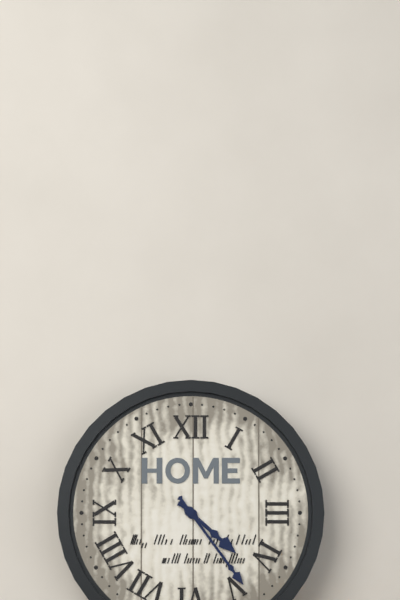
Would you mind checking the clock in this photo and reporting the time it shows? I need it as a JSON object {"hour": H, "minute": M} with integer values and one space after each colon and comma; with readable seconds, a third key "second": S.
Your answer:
{"hour": 4, "minute": 24}
